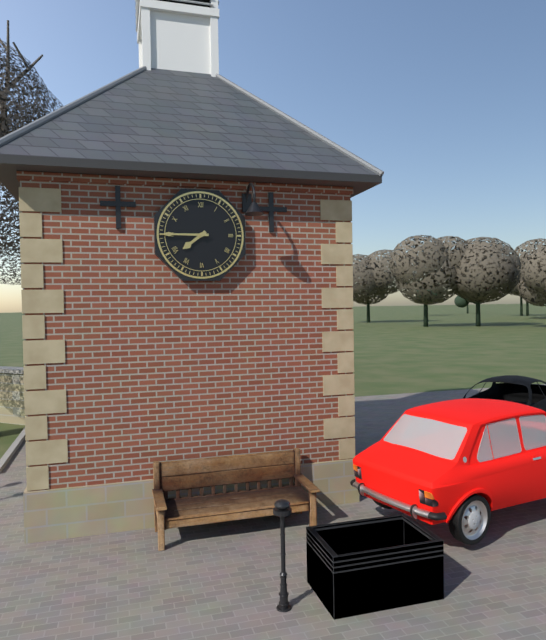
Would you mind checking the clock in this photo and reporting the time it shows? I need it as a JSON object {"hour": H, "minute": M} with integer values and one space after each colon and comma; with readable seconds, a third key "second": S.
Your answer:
{"hour": 7, "minute": 45}
